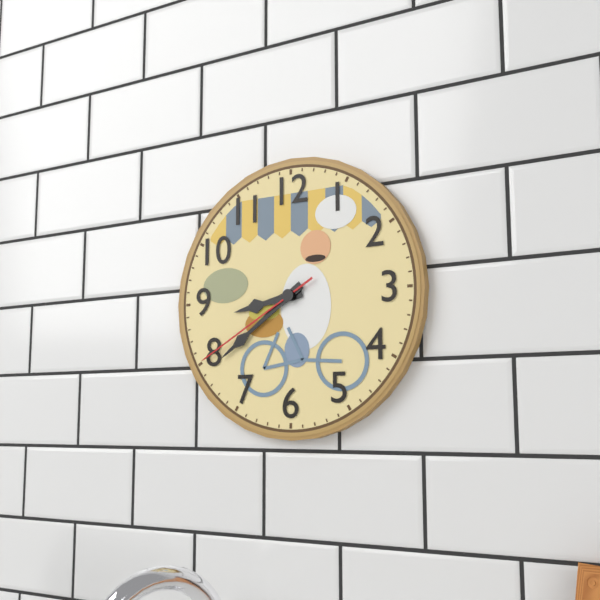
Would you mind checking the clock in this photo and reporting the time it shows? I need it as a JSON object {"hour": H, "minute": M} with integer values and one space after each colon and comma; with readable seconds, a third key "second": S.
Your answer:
{"hour": 8, "minute": 39, "second": 40}
